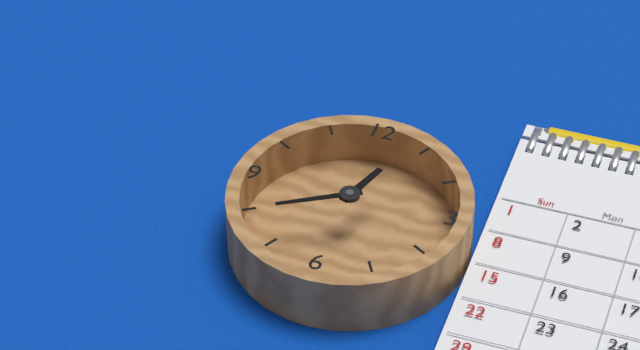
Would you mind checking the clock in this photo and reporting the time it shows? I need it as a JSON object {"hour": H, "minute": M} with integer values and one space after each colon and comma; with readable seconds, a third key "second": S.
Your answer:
{"hour": 12, "minute": 40}
